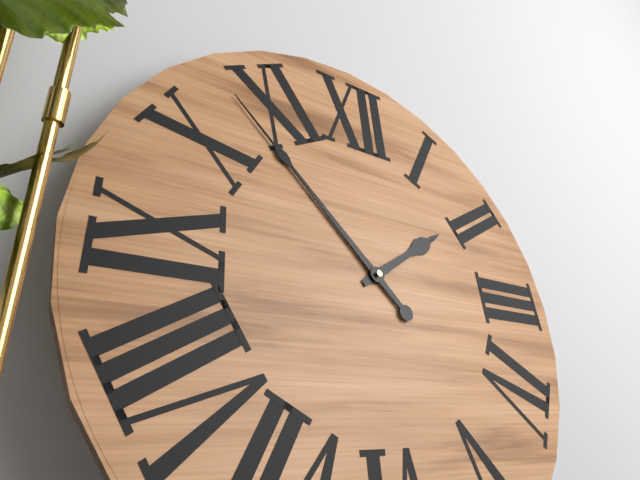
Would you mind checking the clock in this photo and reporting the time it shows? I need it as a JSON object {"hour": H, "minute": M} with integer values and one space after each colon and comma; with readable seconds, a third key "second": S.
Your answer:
{"hour": 1, "minute": 53}
